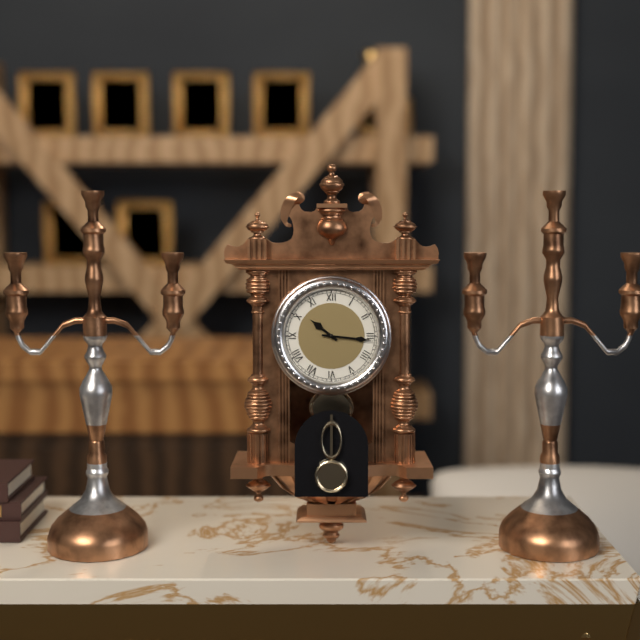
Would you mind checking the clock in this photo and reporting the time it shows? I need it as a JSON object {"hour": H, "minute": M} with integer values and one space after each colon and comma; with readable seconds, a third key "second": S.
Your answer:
{"hour": 10, "minute": 16}
